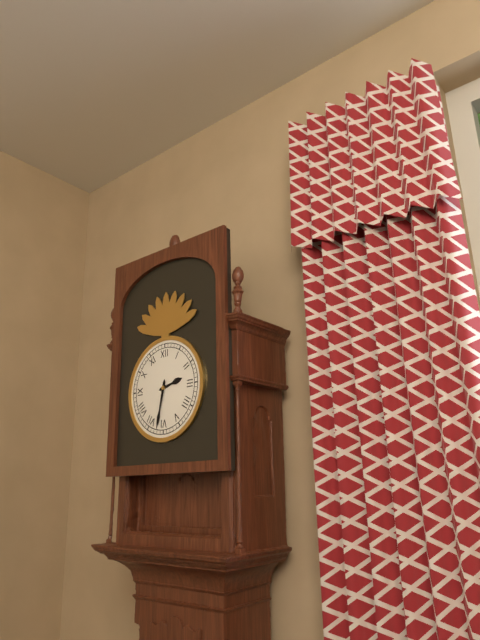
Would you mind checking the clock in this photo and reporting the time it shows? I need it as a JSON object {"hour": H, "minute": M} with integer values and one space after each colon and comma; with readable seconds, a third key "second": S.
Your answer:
{"hour": 2, "minute": 32}
